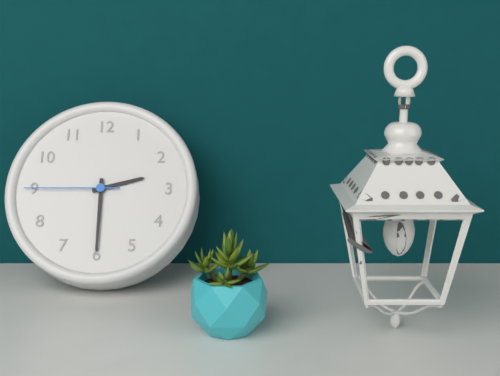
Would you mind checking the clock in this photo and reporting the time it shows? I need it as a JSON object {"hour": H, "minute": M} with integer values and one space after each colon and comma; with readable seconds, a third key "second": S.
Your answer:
{"hour": 2, "minute": 30, "second": 45}
